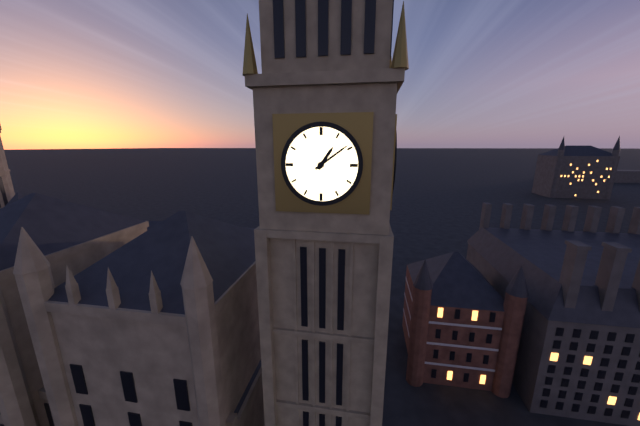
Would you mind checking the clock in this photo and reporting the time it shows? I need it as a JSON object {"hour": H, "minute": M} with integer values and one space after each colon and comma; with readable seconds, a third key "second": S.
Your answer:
{"hour": 1, "minute": 9}
